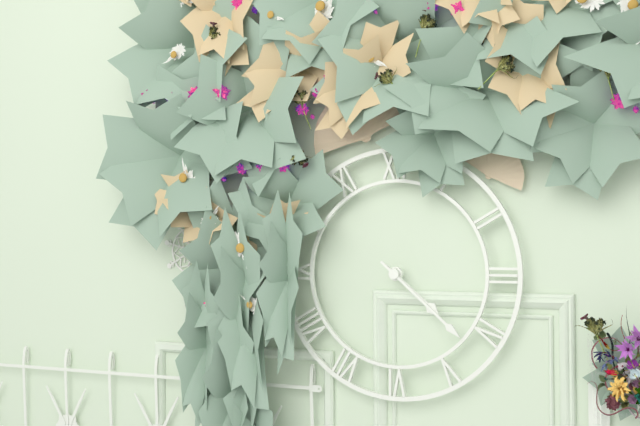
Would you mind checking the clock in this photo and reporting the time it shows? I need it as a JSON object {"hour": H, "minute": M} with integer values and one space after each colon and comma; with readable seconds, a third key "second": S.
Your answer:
{"hour": 4, "minute": 22}
